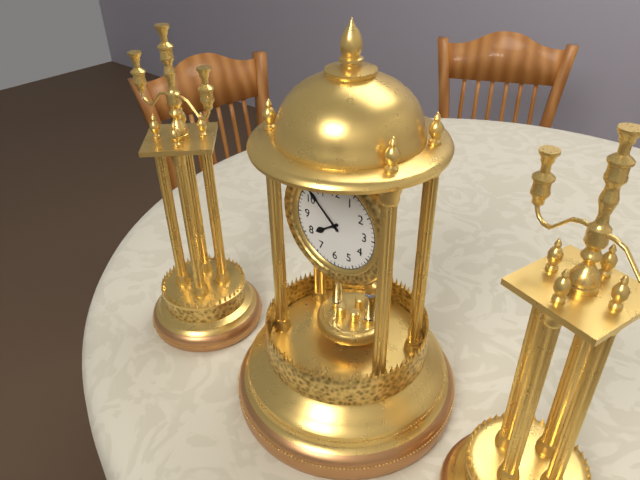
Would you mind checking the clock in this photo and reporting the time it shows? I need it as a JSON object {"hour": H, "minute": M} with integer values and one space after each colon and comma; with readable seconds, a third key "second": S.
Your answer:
{"hour": 7, "minute": 52}
